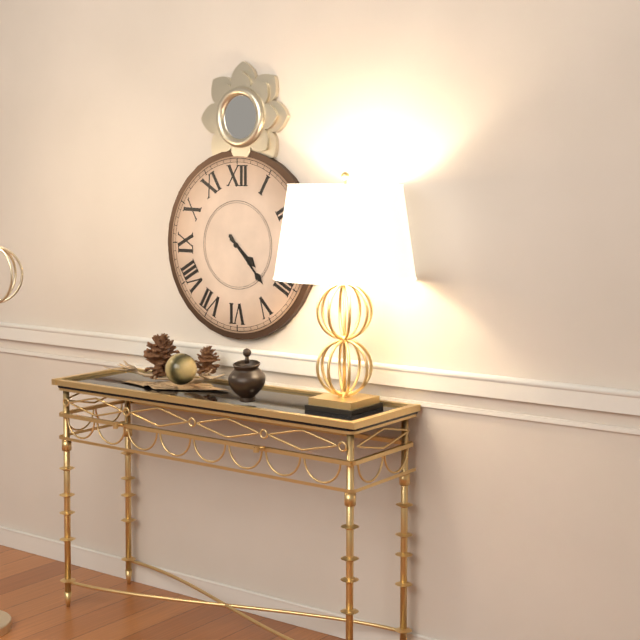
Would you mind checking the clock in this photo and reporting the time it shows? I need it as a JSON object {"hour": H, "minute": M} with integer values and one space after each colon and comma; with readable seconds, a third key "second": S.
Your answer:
{"hour": 4, "minute": 23}
